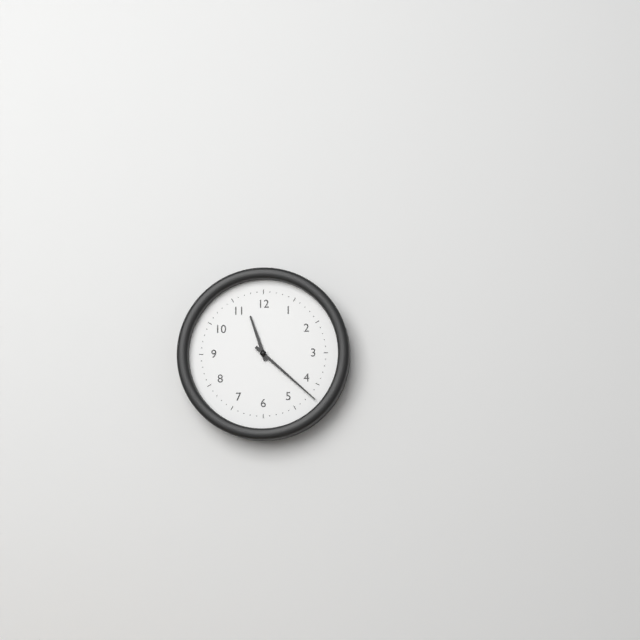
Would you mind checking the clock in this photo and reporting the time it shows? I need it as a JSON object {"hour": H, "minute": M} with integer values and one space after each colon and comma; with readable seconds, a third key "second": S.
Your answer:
{"hour": 11, "minute": 22}
